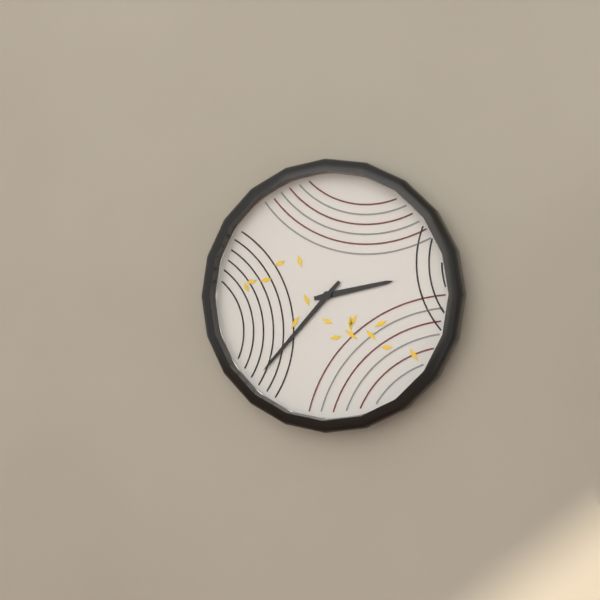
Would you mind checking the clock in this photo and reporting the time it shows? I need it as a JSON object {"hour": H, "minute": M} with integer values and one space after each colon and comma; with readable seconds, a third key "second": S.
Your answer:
{"hour": 2, "minute": 37}
